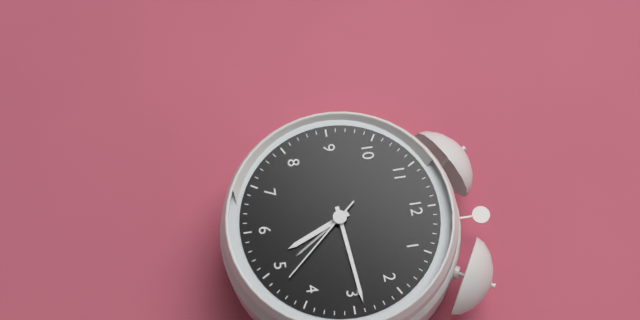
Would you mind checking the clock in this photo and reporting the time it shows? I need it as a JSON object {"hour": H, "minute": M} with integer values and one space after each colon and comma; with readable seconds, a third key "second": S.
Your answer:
{"hour": 5, "minute": 14, "second": 23}
